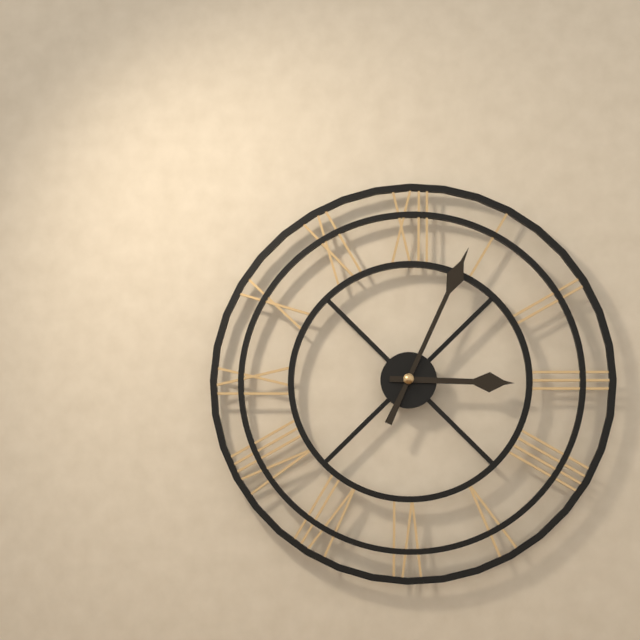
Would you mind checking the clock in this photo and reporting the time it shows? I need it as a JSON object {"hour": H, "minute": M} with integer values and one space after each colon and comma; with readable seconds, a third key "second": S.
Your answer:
{"hour": 3, "minute": 4}
